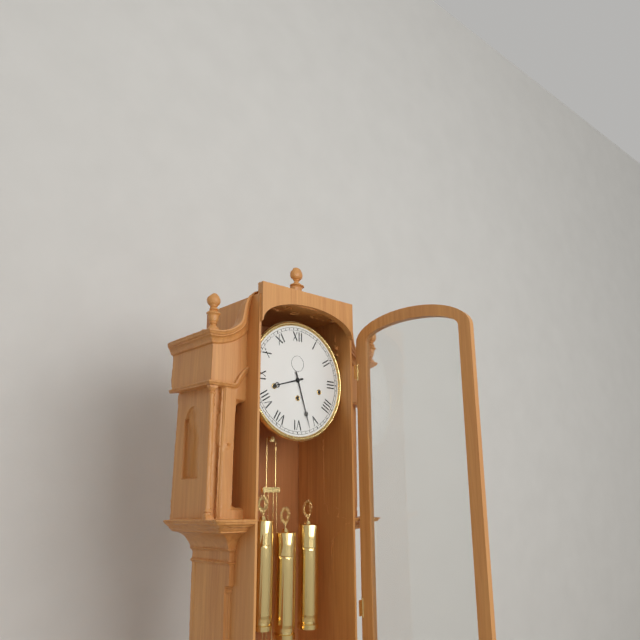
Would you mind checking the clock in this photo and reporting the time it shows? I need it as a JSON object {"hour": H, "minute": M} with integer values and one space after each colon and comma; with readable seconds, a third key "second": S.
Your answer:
{"hour": 8, "minute": 27}
